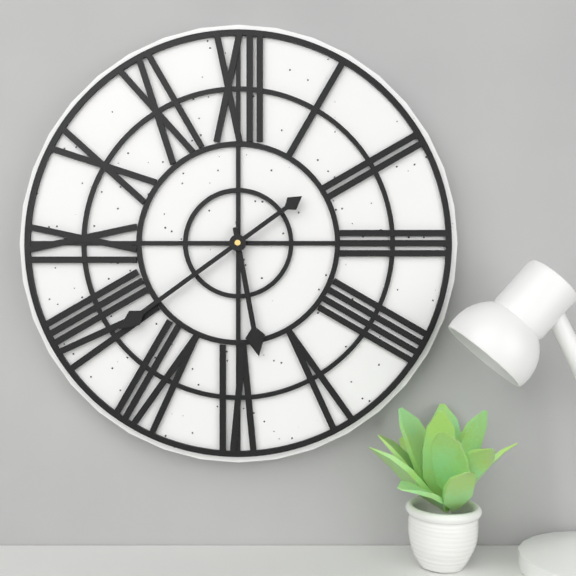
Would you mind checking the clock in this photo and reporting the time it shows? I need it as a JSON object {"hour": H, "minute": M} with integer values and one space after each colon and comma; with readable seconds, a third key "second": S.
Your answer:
{"hour": 5, "minute": 39}
